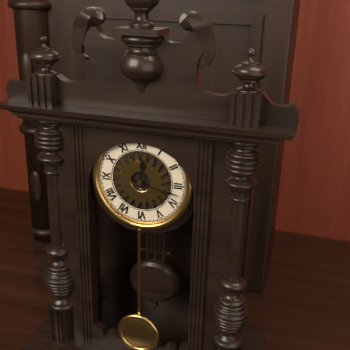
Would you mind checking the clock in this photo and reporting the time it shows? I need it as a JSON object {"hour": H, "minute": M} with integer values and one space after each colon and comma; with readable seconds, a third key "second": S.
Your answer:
{"hour": 12, "minute": 17}
